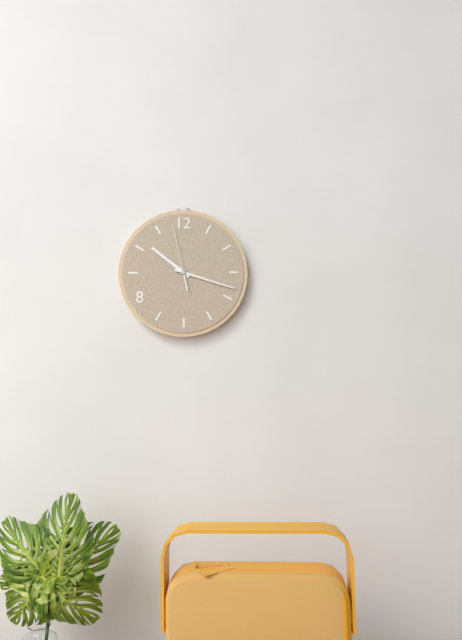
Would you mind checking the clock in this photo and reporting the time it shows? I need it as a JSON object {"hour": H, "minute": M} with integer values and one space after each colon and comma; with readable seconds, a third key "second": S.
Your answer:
{"hour": 10, "minute": 18, "second": 58}
